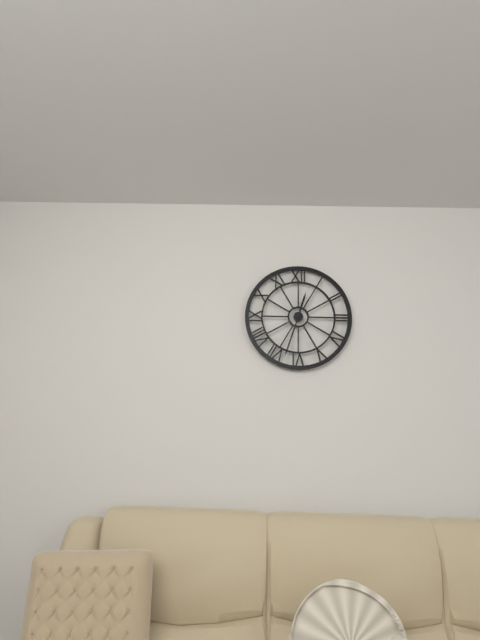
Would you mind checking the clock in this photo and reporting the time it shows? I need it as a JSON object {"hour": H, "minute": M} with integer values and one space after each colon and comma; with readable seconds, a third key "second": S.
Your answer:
{"hour": 12, "minute": 33}
